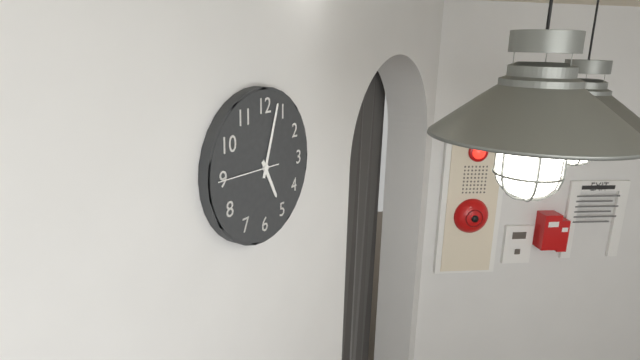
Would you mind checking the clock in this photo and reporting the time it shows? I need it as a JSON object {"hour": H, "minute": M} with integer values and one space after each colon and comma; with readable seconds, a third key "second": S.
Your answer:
{"hour": 5, "minute": 3, "second": 45}
